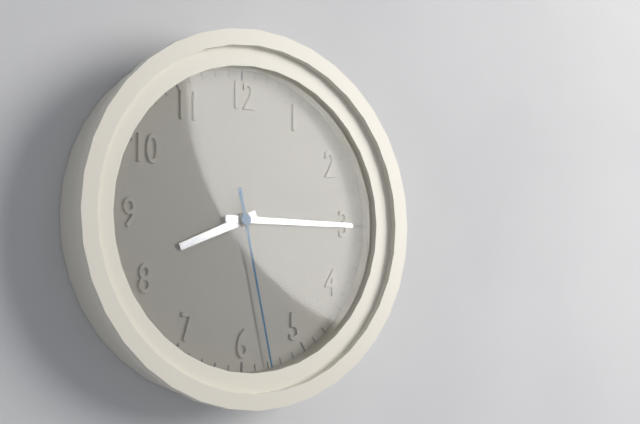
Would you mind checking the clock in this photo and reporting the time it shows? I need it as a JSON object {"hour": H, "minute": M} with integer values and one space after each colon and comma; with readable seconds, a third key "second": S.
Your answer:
{"hour": 8, "minute": 15, "second": 28}
